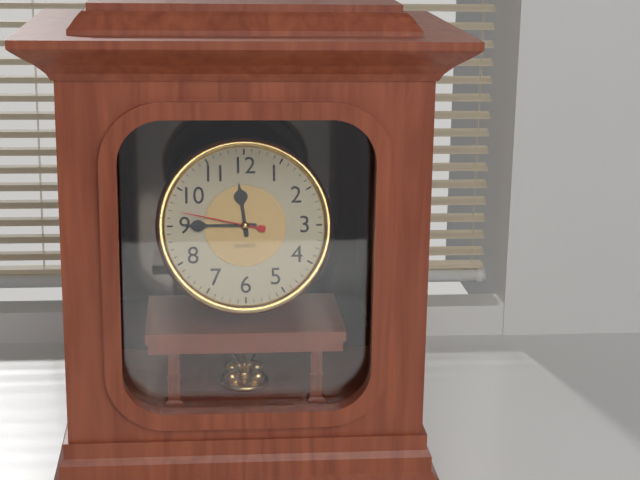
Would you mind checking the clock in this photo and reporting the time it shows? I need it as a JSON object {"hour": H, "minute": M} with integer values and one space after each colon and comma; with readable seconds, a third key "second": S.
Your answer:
{"hour": 11, "minute": 45, "second": 47}
